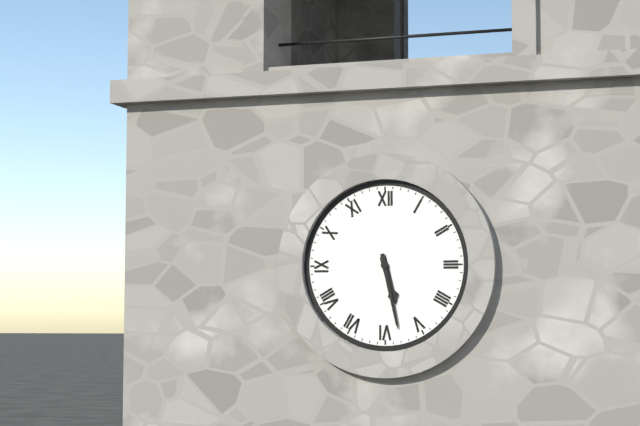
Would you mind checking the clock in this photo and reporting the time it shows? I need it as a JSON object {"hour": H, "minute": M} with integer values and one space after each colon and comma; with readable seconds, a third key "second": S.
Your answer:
{"hour": 5, "minute": 28}
